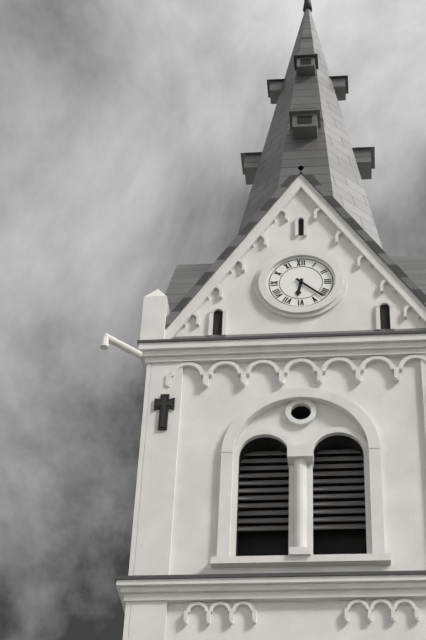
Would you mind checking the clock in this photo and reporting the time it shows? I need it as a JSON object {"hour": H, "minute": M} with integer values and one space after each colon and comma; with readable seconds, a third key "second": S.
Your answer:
{"hour": 6, "minute": 22}
